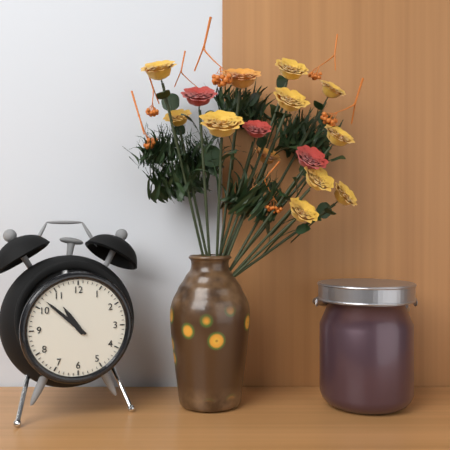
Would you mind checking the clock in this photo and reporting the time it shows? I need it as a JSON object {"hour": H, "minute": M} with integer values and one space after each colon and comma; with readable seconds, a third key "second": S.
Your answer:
{"hour": 10, "minute": 52}
